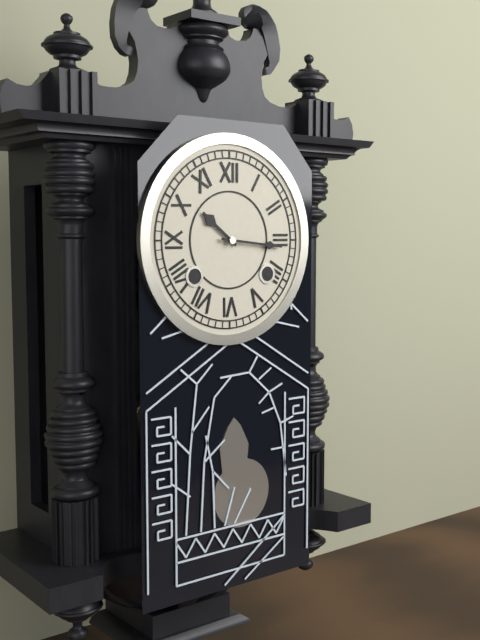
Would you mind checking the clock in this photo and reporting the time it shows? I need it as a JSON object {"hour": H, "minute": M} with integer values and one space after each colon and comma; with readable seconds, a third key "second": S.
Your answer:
{"hour": 10, "minute": 16}
